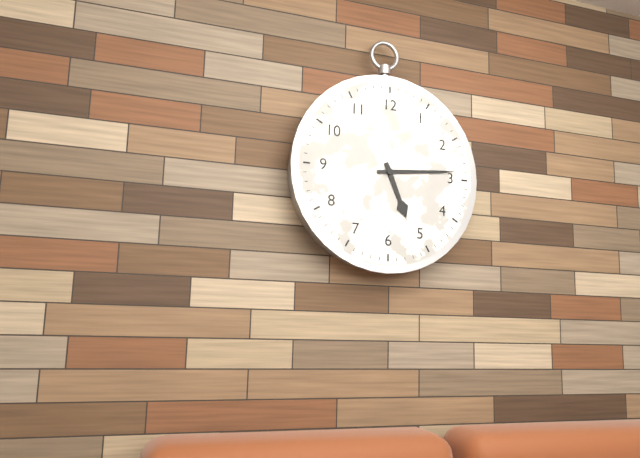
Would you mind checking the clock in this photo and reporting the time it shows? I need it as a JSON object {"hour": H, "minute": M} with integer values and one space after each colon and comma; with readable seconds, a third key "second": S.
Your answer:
{"hour": 5, "minute": 14}
